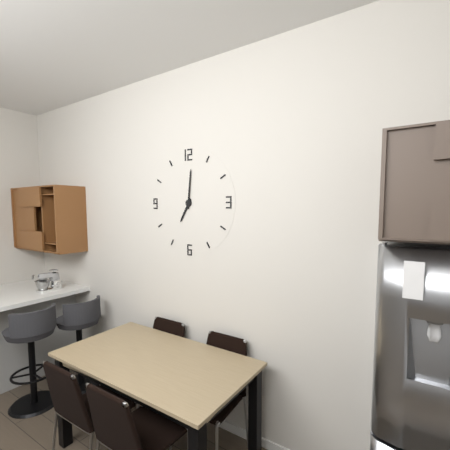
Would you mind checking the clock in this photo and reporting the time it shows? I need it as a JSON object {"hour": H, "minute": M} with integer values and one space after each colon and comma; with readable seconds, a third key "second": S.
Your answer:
{"hour": 7, "minute": 1}
